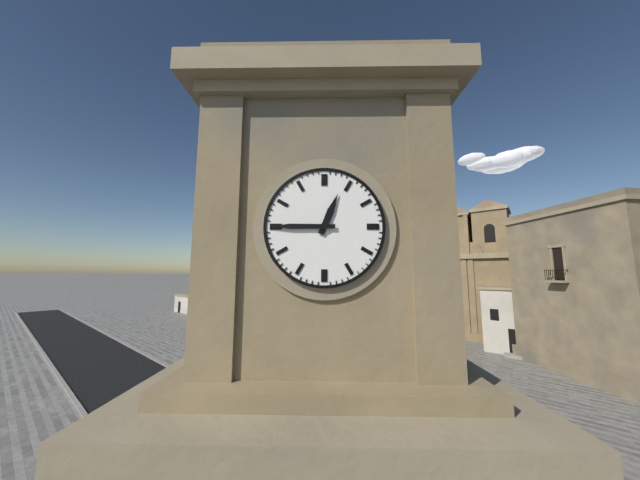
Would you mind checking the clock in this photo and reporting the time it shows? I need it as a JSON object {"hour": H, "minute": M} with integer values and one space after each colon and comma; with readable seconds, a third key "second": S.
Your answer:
{"hour": 12, "minute": 45}
